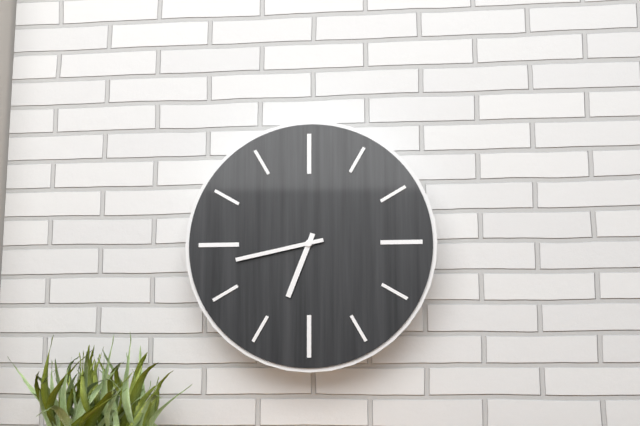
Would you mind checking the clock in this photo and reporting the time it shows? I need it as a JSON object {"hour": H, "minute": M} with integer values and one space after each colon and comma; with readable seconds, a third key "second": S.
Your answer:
{"hour": 6, "minute": 43}
